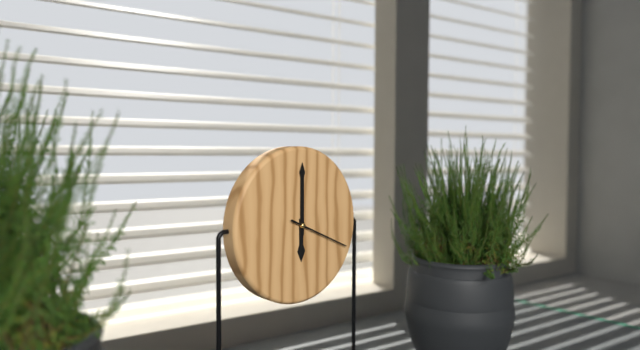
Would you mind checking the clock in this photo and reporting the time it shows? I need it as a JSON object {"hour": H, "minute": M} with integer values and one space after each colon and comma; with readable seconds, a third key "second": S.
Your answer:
{"hour": 6, "minute": 0, "second": 19}
